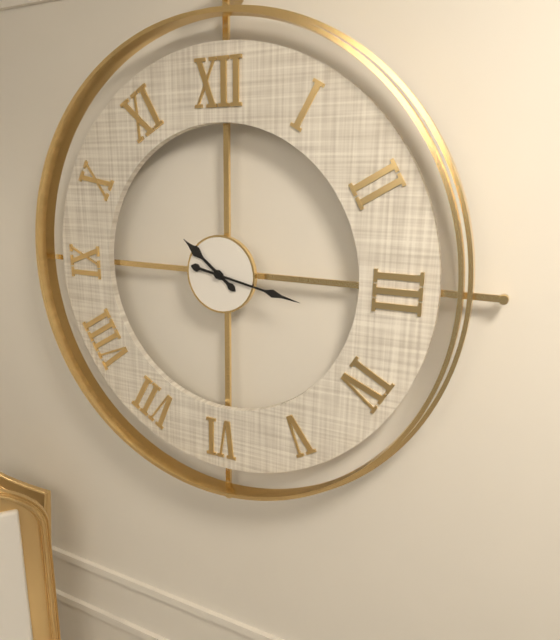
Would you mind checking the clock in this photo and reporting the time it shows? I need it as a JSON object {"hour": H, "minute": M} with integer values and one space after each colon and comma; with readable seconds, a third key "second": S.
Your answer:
{"hour": 10, "minute": 17}
